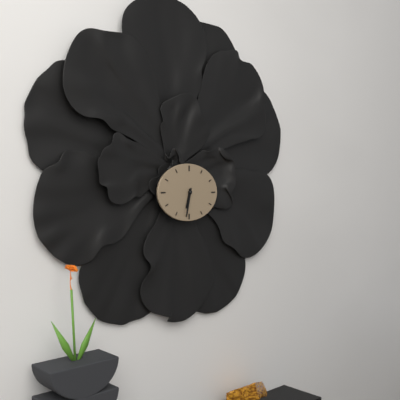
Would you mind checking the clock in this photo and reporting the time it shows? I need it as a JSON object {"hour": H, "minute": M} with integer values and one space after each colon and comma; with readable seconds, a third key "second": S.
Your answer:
{"hour": 6, "minute": 32}
